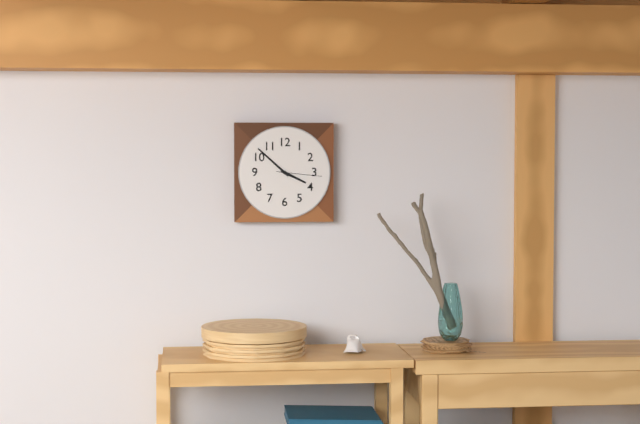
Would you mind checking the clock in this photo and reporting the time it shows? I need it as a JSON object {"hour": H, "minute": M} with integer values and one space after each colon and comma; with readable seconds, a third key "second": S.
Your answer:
{"hour": 3, "minute": 52}
